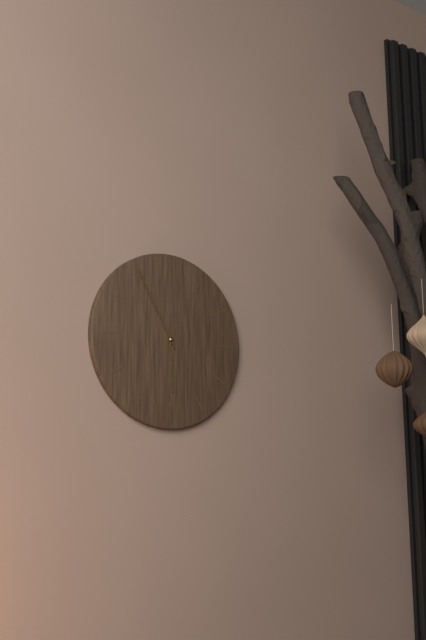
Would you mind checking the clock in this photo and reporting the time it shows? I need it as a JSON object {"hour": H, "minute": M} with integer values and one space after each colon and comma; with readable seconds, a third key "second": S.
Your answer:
{"hour": 5, "minute": 55}
